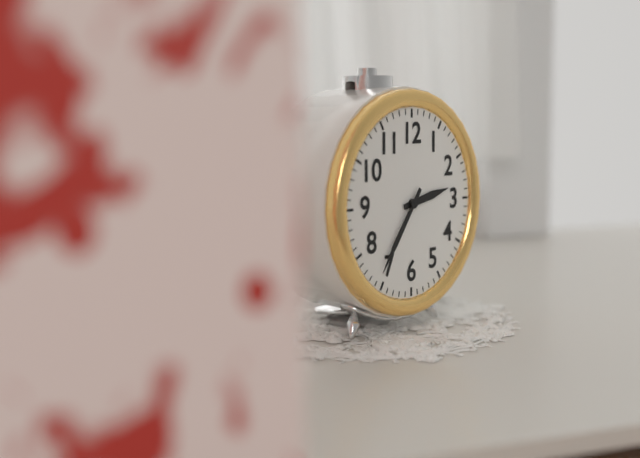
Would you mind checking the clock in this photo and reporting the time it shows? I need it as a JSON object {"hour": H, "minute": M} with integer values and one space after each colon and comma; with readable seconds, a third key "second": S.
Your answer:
{"hour": 2, "minute": 36}
